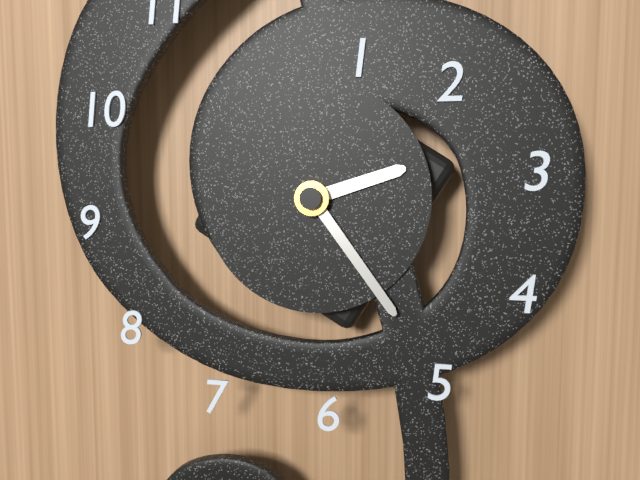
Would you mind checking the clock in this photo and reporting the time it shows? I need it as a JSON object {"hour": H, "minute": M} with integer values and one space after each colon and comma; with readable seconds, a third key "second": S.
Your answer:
{"hour": 2, "minute": 24}
